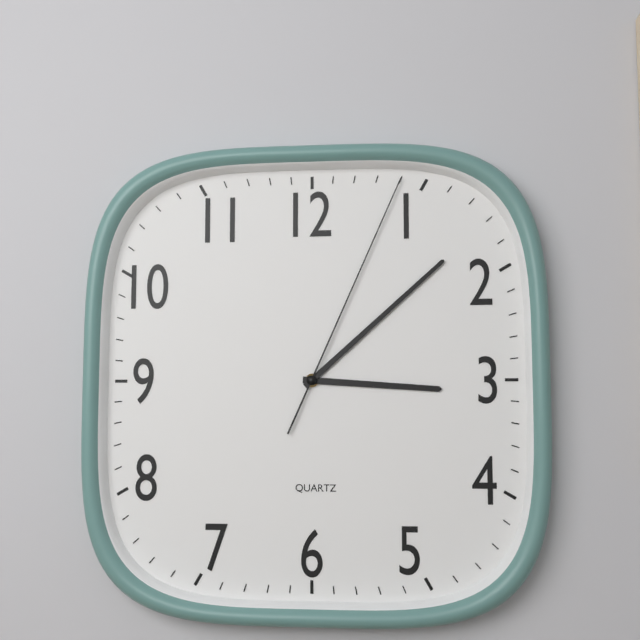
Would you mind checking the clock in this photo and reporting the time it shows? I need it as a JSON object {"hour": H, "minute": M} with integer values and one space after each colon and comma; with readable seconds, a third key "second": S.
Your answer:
{"hour": 3, "minute": 8, "second": 4}
